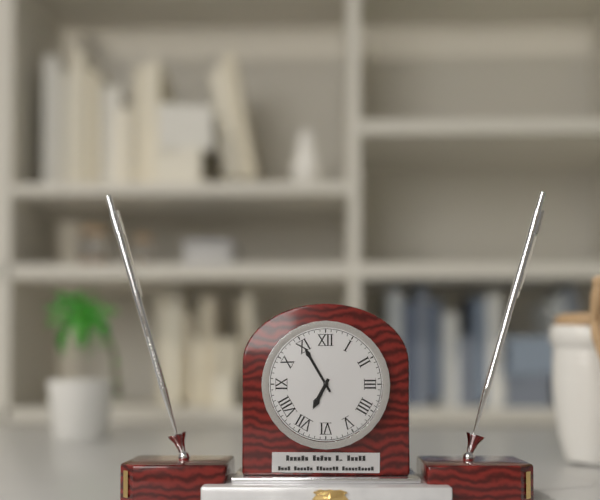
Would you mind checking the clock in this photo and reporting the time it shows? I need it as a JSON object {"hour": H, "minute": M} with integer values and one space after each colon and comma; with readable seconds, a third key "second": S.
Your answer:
{"hour": 6, "minute": 55}
